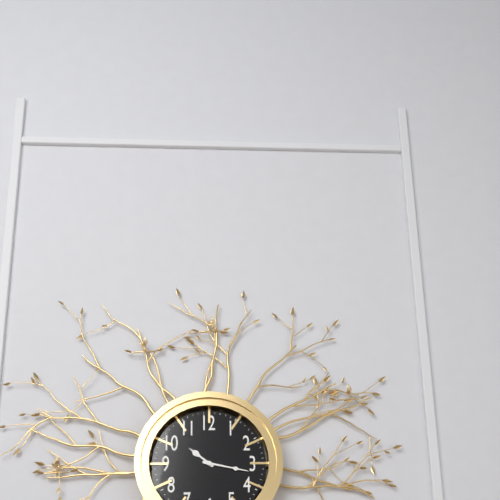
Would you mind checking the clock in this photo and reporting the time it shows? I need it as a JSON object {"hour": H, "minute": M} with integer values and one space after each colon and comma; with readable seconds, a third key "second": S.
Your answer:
{"hour": 10, "minute": 17}
